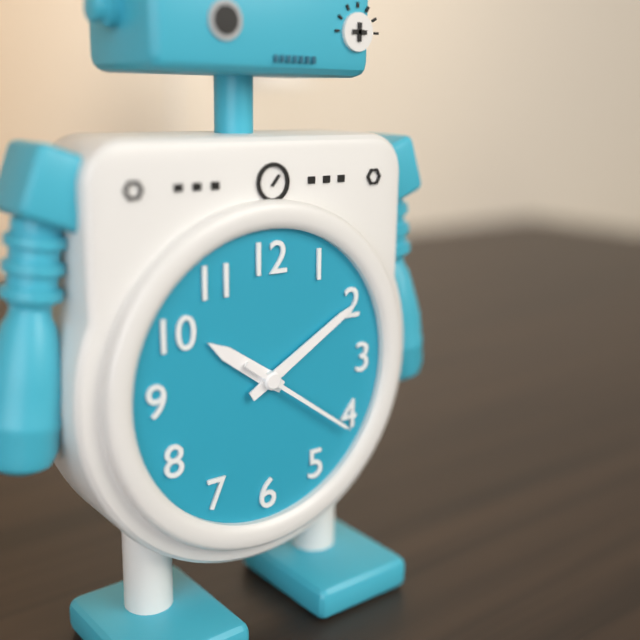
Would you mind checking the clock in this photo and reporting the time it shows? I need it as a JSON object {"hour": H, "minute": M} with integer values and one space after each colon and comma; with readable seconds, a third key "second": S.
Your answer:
{"hour": 10, "minute": 10, "second": 21}
